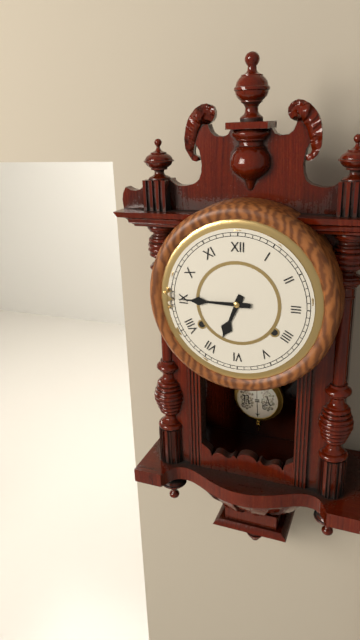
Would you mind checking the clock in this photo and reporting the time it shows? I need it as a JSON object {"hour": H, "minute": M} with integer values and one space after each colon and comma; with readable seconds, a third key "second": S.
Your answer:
{"hour": 6, "minute": 45}
